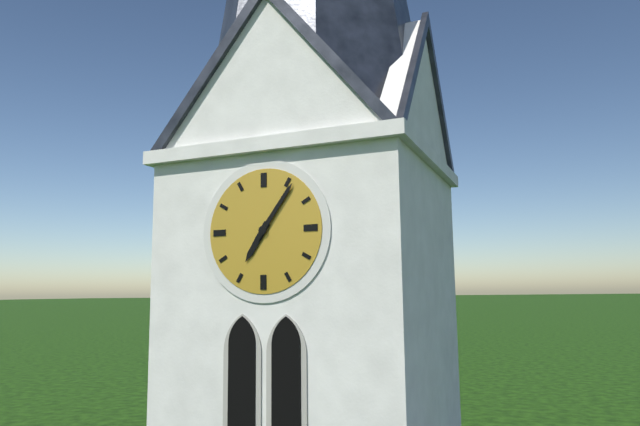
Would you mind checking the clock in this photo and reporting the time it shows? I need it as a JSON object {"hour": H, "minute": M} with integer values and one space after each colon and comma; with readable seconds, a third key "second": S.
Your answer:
{"hour": 7, "minute": 6}
